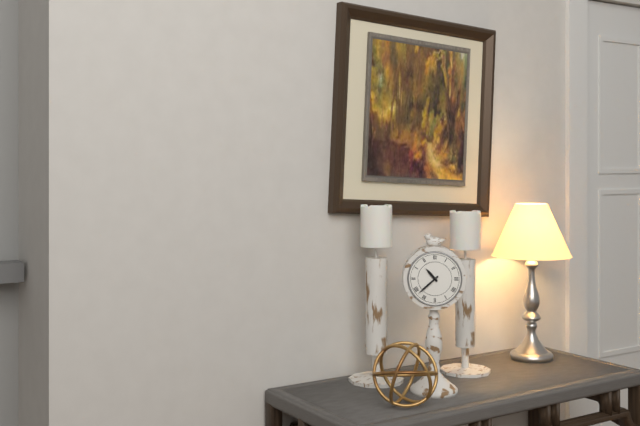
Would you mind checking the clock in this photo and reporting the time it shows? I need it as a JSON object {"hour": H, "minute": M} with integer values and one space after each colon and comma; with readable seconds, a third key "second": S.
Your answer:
{"hour": 10, "minute": 38}
